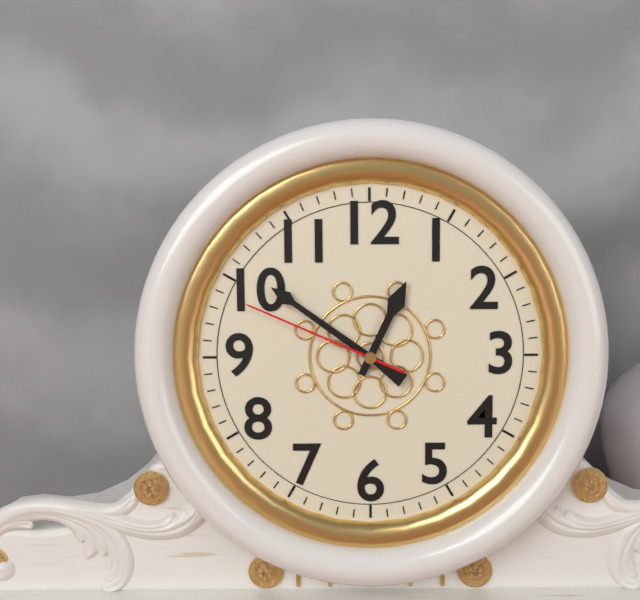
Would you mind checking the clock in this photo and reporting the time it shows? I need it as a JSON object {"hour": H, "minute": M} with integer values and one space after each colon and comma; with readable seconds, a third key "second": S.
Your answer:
{"hour": 12, "minute": 51, "second": 49}
